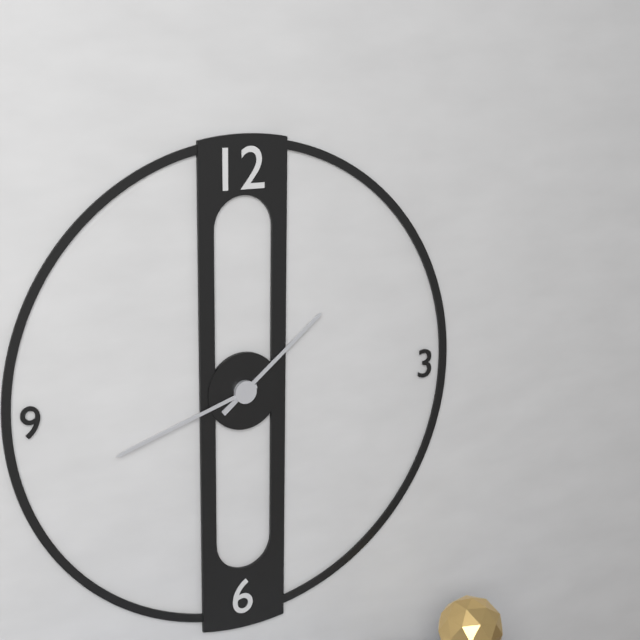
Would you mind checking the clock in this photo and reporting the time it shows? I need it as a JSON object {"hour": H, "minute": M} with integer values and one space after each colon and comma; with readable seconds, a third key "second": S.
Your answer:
{"hour": 1, "minute": 42}
